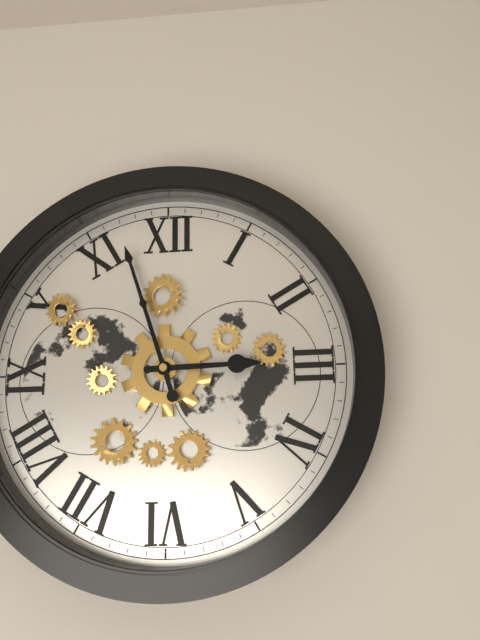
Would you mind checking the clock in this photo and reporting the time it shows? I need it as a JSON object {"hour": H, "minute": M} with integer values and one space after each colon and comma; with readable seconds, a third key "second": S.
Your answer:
{"hour": 2, "minute": 57}
